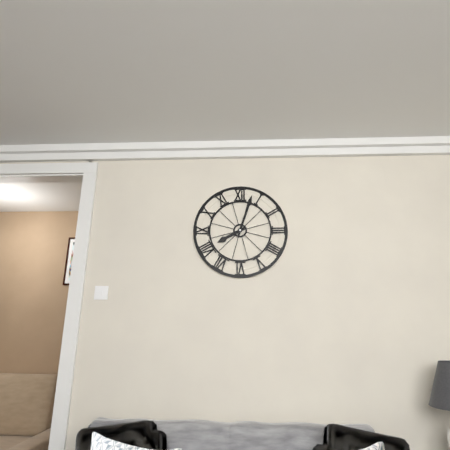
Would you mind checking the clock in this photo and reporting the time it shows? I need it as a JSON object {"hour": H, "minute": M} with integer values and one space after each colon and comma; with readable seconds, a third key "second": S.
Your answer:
{"hour": 8, "minute": 3}
